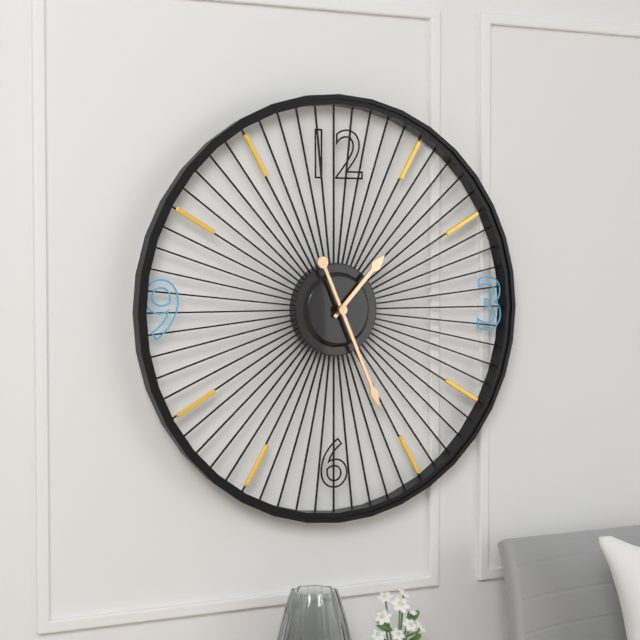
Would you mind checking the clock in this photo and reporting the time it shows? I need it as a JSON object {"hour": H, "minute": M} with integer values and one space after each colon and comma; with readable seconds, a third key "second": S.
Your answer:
{"hour": 1, "minute": 26}
